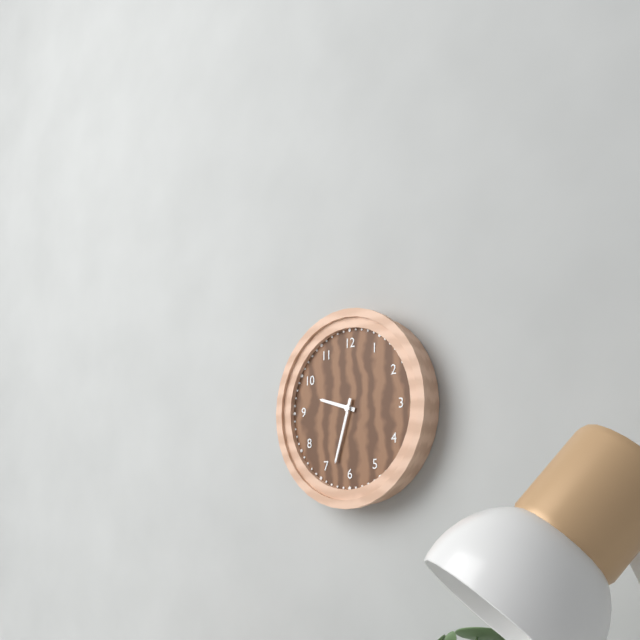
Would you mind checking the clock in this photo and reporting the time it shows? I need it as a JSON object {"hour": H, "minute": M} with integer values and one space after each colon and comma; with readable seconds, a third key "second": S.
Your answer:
{"hour": 9, "minute": 33}
